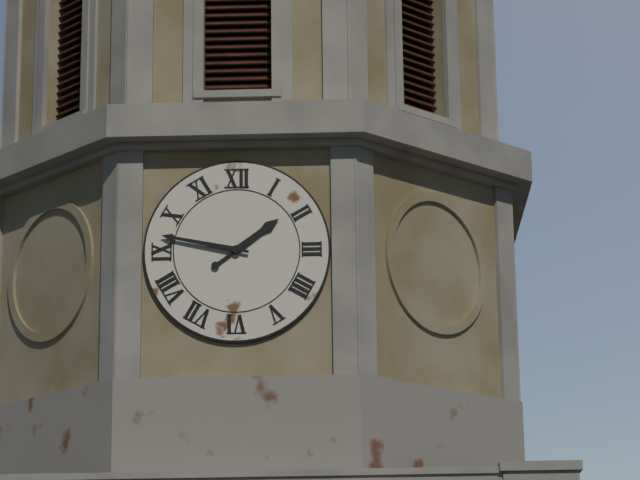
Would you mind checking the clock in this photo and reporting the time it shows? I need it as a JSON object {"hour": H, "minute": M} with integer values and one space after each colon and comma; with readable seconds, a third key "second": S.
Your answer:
{"hour": 1, "minute": 47}
